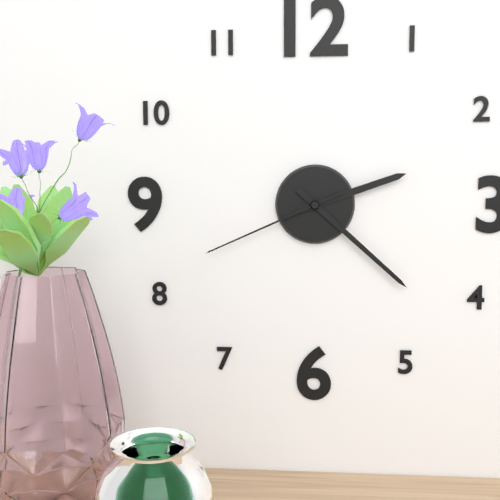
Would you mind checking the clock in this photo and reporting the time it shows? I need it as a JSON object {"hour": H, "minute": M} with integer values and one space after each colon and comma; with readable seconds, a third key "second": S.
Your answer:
{"hour": 2, "minute": 22, "second": 41}
